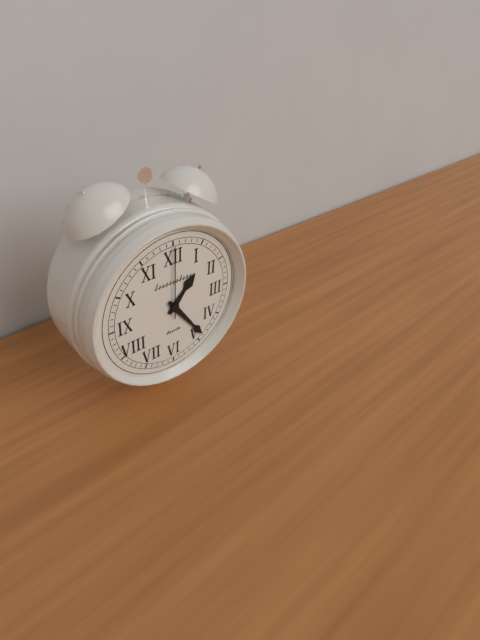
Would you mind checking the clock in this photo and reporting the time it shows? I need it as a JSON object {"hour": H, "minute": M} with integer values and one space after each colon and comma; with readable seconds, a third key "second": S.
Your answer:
{"hour": 1, "minute": 24, "second": 0}
